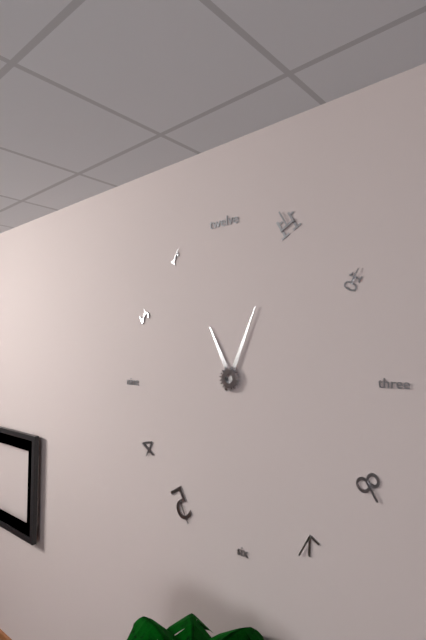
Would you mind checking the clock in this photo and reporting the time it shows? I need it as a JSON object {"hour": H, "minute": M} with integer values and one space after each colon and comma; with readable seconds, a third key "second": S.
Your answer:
{"hour": 11, "minute": 4}
